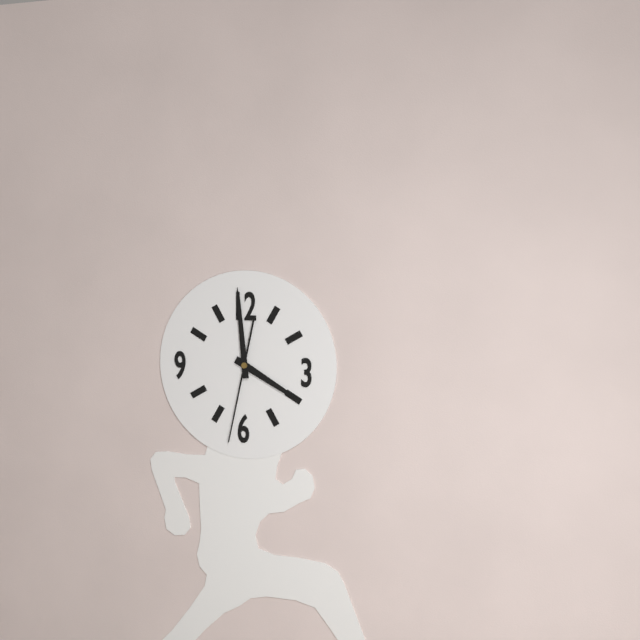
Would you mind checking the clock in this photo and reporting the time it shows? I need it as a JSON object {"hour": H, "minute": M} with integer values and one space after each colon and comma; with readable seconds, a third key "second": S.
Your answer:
{"hour": 3, "minute": 59, "second": 32}
